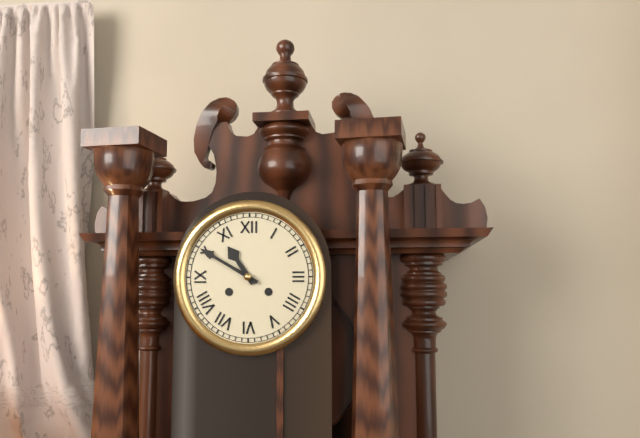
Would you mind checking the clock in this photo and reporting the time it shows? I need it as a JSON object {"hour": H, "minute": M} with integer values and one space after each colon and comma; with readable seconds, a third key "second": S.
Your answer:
{"hour": 10, "minute": 50}
